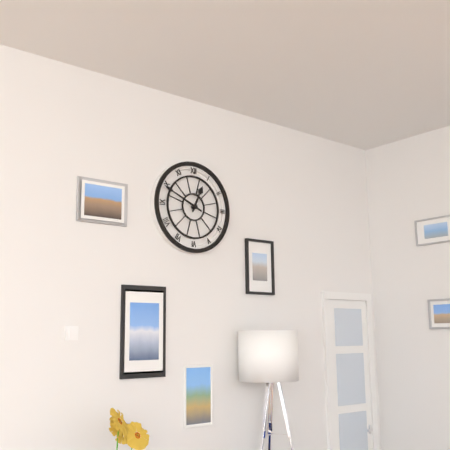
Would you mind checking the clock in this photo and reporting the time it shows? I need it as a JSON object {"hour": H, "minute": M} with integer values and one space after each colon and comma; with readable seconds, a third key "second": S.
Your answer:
{"hour": 12, "minute": 49}
